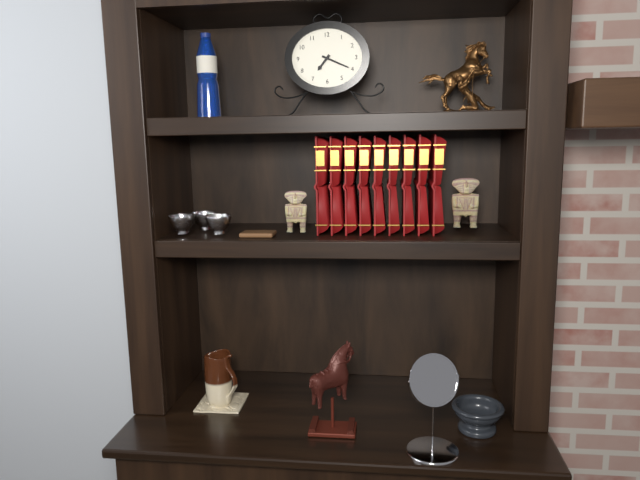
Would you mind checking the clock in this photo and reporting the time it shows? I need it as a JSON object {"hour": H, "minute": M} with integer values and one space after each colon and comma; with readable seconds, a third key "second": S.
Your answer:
{"hour": 7, "minute": 19}
